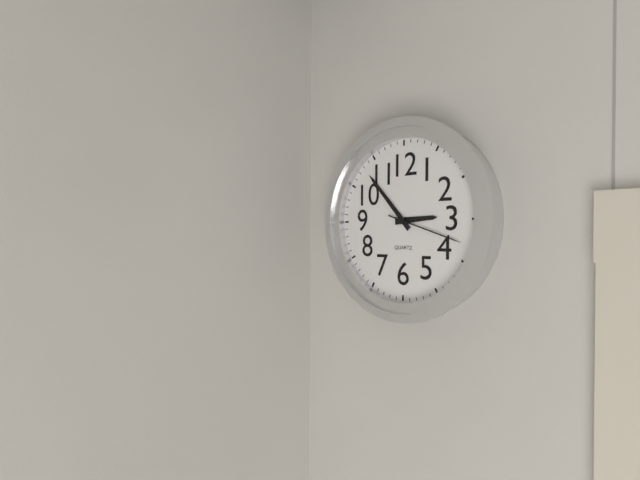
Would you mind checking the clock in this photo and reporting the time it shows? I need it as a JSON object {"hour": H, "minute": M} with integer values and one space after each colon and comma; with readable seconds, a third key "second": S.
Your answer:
{"hour": 2, "minute": 53, "second": 18}
